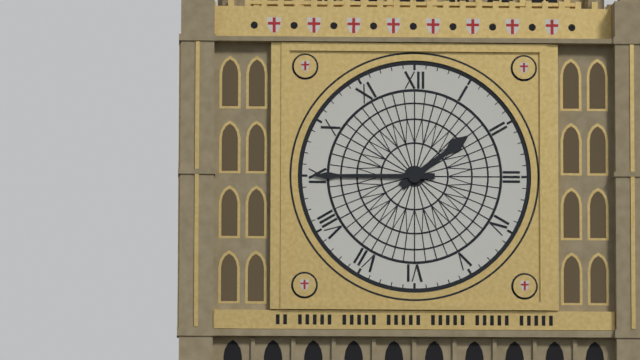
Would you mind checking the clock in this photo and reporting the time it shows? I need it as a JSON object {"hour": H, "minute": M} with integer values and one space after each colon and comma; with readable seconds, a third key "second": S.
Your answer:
{"hour": 1, "minute": 45}
